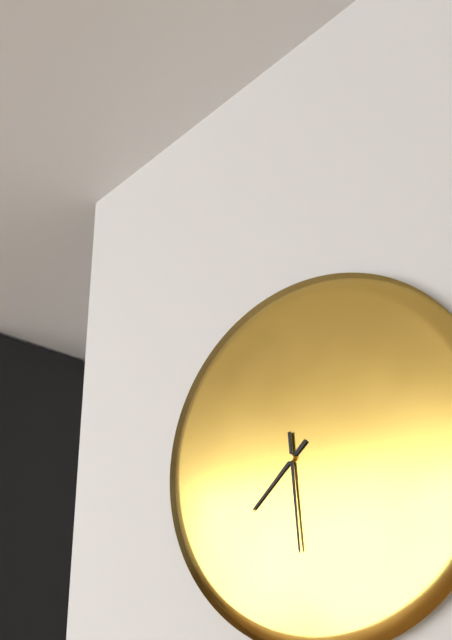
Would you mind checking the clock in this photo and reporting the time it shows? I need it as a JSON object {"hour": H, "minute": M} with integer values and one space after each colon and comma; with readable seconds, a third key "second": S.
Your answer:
{"hour": 7, "minute": 29}
